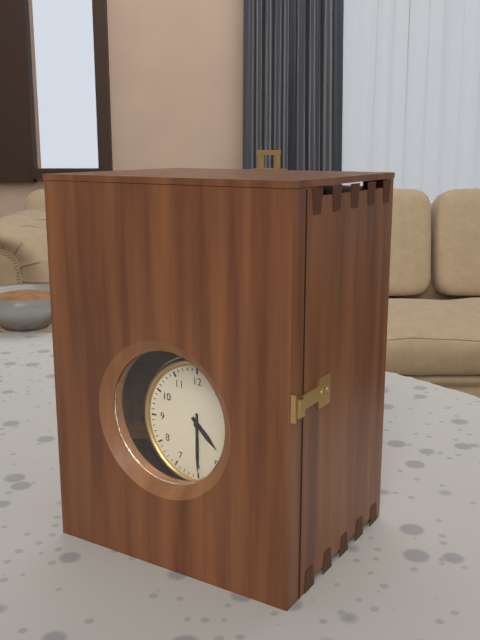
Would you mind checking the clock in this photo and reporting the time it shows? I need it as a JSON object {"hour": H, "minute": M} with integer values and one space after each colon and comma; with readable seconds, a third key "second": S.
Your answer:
{"hour": 4, "minute": 30}
